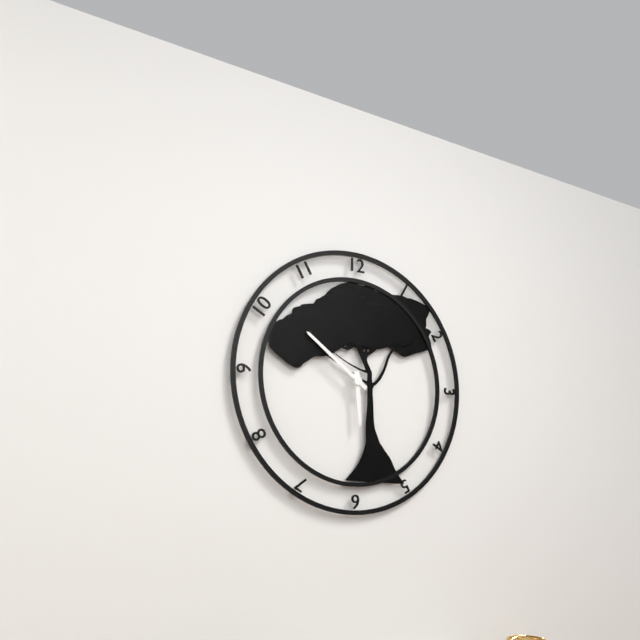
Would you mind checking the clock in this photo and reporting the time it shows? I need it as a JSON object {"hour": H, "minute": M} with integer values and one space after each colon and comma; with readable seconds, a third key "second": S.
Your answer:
{"hour": 5, "minute": 51}
